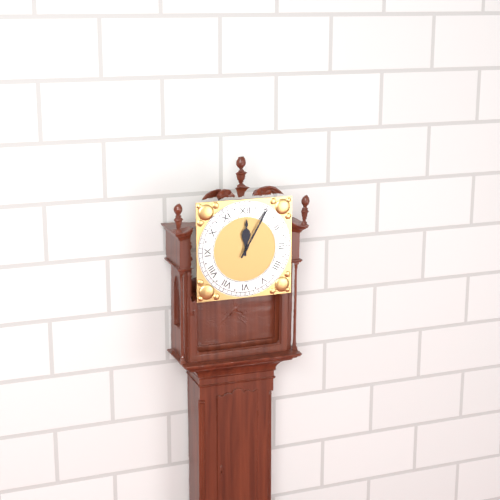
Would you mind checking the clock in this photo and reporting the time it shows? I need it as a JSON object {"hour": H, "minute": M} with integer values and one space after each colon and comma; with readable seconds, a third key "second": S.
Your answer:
{"hour": 12, "minute": 5}
